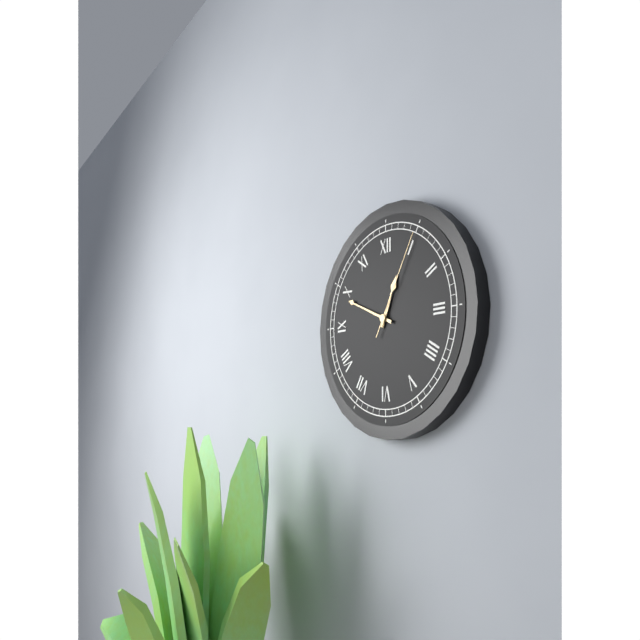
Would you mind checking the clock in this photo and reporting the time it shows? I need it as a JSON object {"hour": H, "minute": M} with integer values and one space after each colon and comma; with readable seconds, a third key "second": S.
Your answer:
{"hour": 12, "minute": 49, "second": 5}
